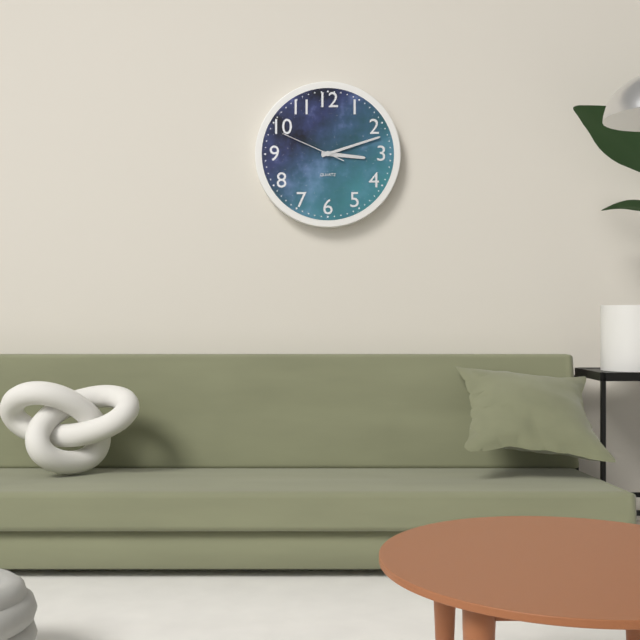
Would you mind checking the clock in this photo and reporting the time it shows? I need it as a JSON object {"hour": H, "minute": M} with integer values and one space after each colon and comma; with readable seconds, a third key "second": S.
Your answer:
{"hour": 3, "minute": 12, "second": 49}
